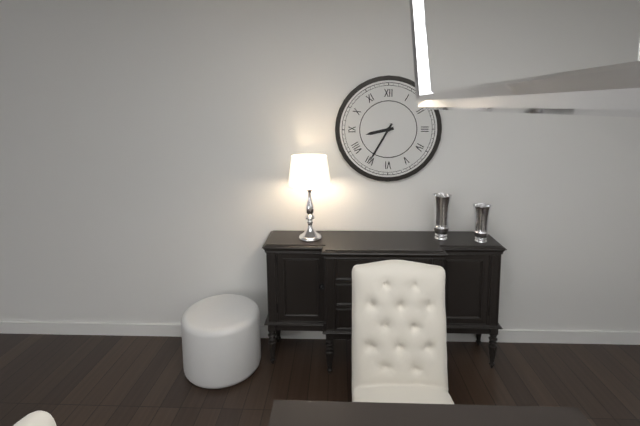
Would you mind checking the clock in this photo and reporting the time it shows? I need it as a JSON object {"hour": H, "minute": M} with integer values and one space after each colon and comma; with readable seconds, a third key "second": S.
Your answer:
{"hour": 8, "minute": 35}
